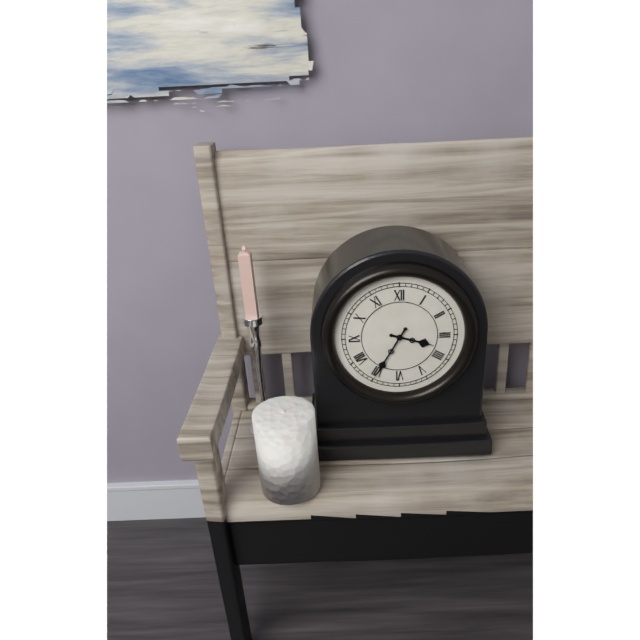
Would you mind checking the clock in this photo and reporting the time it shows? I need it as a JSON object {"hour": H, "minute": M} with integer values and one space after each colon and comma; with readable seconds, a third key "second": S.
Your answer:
{"hour": 3, "minute": 35}
